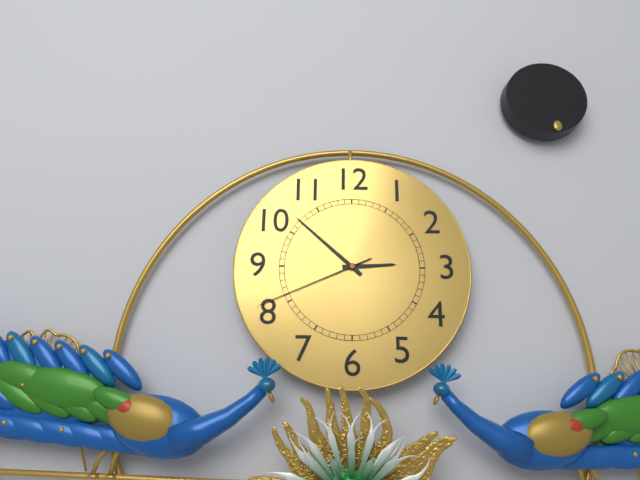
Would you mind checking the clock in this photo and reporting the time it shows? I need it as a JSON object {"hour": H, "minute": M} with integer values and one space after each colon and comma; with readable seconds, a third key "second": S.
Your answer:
{"hour": 2, "minute": 52, "second": 41}
